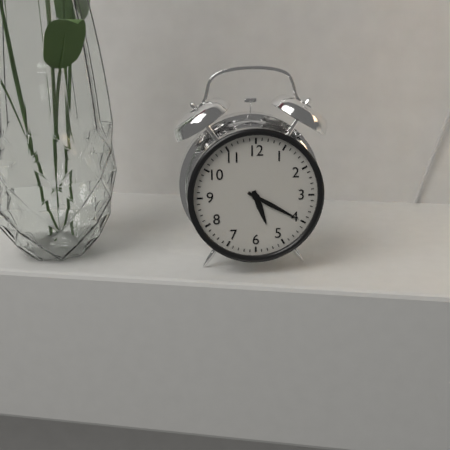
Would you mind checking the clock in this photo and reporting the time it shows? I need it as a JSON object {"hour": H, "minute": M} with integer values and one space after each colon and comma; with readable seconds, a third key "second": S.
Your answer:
{"hour": 5, "minute": 20}
